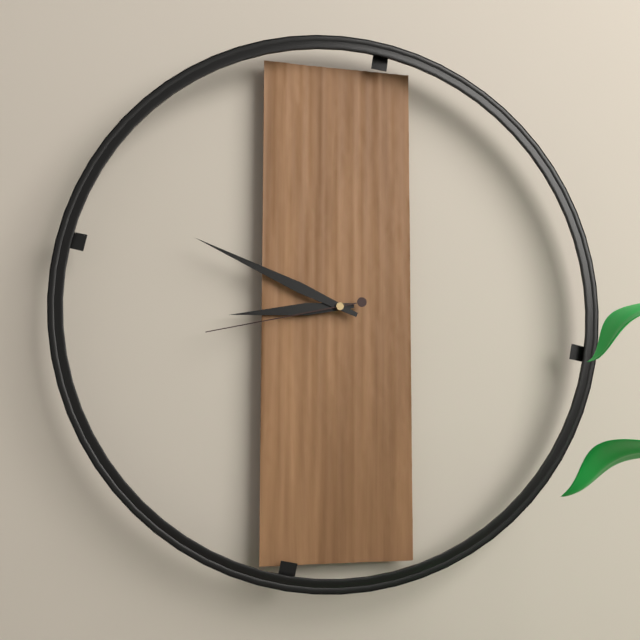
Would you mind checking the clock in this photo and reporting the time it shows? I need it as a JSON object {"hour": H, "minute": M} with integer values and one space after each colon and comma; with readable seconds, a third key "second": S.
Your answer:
{"hour": 8, "minute": 49, "second": 43}
